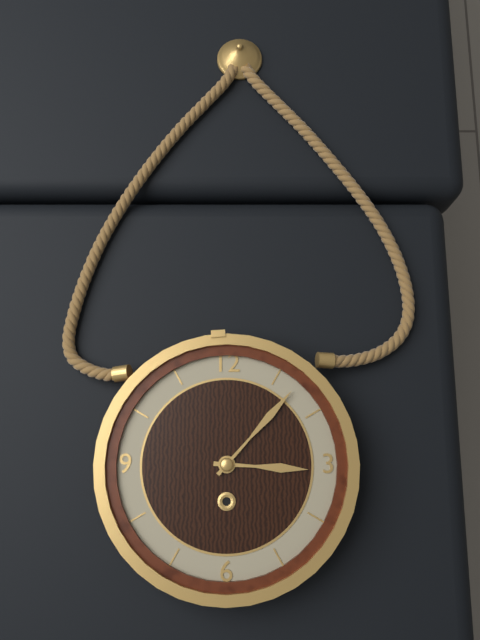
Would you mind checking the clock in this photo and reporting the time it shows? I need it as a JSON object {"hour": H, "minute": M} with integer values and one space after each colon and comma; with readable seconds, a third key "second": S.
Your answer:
{"hour": 3, "minute": 7}
